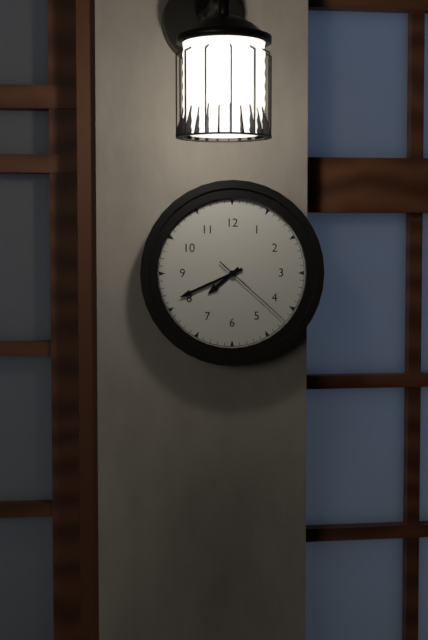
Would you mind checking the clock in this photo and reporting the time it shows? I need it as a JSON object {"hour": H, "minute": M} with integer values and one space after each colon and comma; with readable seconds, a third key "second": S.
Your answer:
{"hour": 7, "minute": 41, "second": 22}
